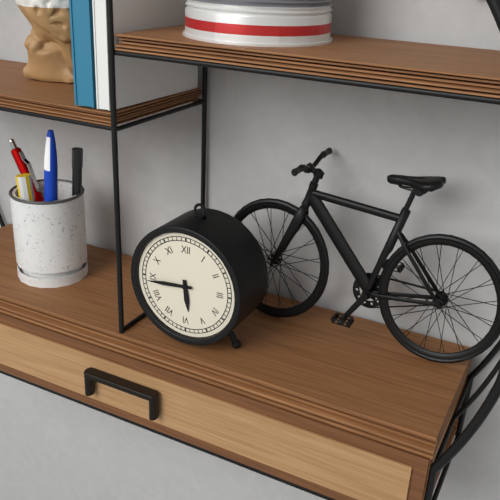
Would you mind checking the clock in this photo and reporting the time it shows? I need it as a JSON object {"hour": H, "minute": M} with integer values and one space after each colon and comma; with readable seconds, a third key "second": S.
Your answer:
{"hour": 5, "minute": 44}
